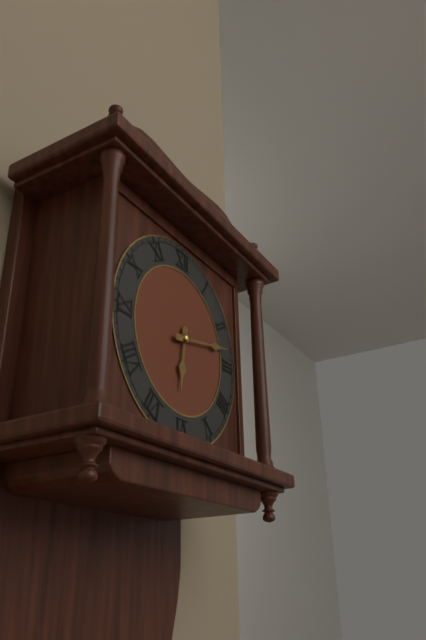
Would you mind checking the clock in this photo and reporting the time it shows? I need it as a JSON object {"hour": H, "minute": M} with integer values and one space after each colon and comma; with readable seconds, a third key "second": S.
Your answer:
{"hour": 6, "minute": 13}
